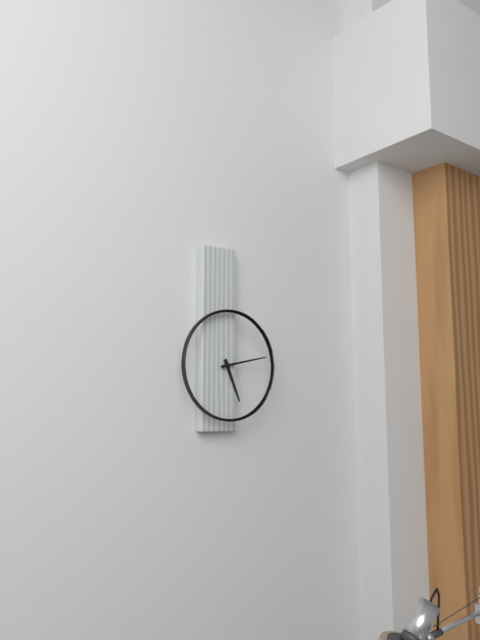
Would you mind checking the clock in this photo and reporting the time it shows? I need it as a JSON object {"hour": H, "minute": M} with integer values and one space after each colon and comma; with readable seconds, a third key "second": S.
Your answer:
{"hour": 5, "minute": 13}
